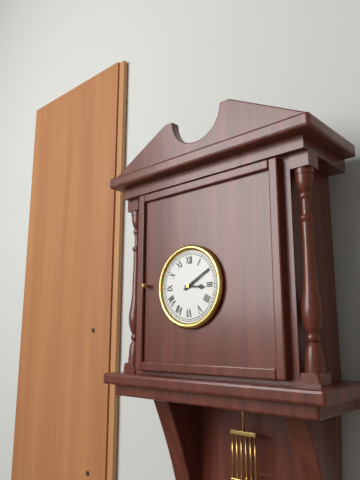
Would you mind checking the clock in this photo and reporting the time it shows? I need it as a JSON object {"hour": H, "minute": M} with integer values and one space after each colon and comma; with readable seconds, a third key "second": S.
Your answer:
{"hour": 3, "minute": 10}
